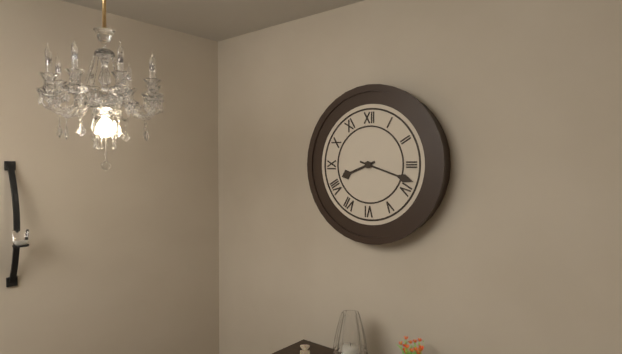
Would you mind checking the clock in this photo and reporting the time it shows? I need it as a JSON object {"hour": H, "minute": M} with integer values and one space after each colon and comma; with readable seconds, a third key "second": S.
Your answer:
{"hour": 8, "minute": 18}
